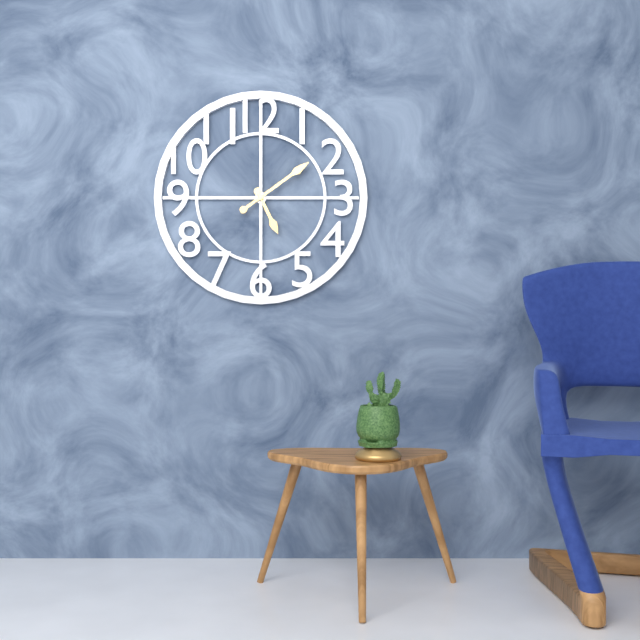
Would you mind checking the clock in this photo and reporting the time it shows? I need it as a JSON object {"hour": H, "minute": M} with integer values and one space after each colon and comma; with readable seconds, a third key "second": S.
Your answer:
{"hour": 5, "minute": 9}
